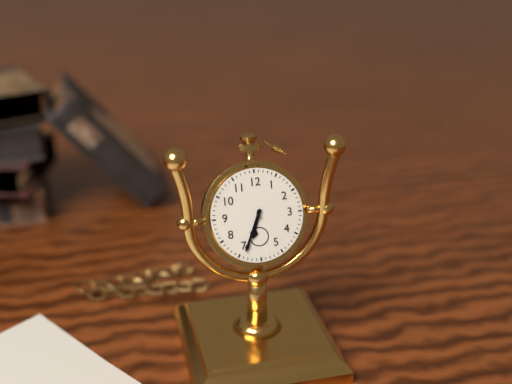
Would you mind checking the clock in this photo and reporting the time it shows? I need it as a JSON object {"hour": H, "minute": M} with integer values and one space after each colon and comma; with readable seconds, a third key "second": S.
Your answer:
{"hour": 6, "minute": 34}
